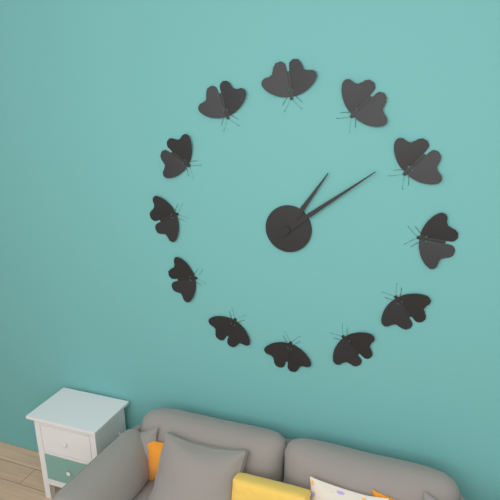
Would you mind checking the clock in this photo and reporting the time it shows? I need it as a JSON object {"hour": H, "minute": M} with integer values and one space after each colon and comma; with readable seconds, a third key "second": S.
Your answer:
{"hour": 1, "minute": 9}
